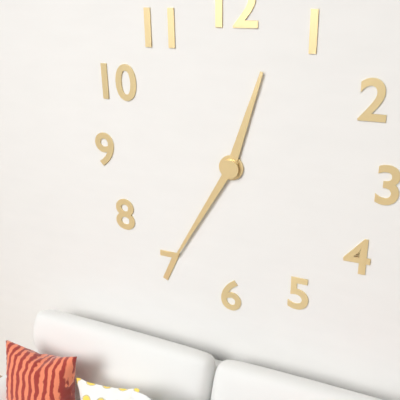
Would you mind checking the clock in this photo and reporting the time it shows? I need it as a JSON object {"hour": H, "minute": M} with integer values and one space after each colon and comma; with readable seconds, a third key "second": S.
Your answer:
{"hour": 12, "minute": 35}
